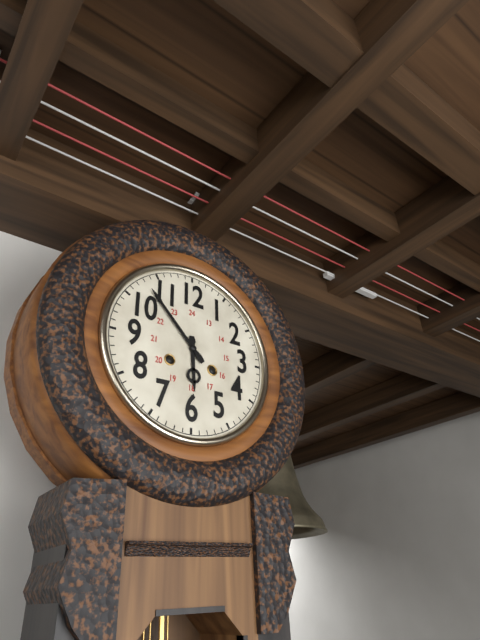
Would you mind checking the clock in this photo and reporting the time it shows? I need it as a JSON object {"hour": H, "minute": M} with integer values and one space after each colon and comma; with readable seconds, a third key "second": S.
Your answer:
{"hour": 5, "minute": 53}
